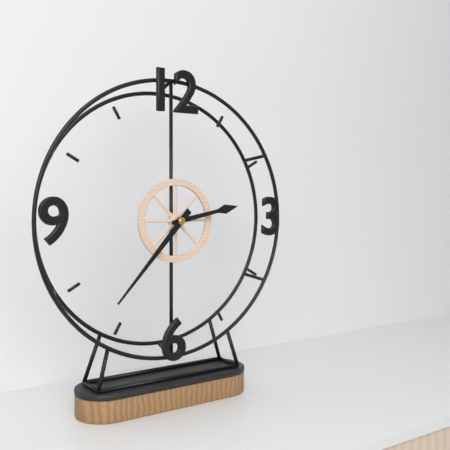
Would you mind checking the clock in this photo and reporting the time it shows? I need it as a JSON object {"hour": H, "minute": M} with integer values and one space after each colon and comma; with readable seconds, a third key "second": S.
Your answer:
{"hour": 2, "minute": 37}
